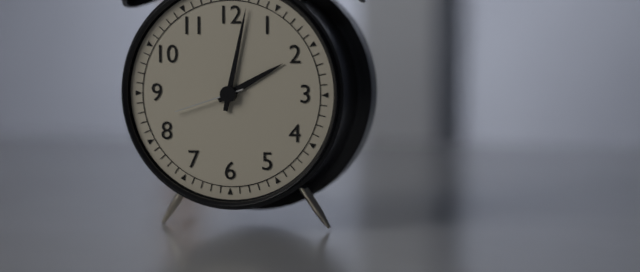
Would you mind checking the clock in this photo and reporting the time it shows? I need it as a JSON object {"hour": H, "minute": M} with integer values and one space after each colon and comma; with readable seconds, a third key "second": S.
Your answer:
{"hour": 2, "minute": 2, "second": 42}
